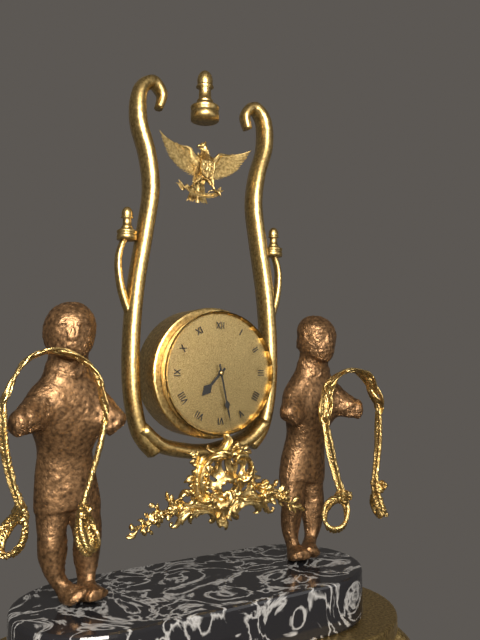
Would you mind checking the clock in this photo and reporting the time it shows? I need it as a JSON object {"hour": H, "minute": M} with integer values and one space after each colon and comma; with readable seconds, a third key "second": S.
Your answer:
{"hour": 7, "minute": 28}
